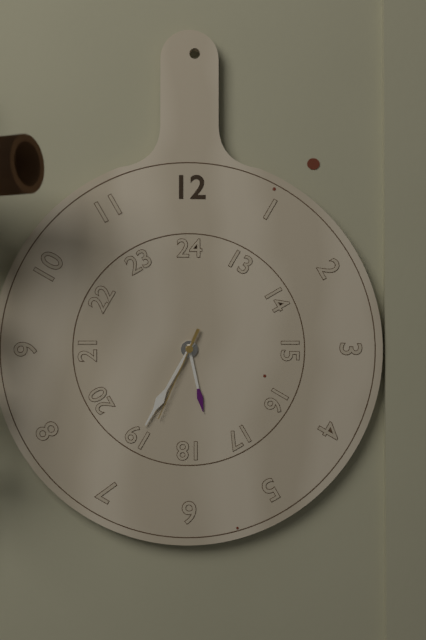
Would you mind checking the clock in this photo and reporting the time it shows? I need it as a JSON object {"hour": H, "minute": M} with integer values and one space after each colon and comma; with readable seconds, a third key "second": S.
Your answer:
{"hour": 5, "minute": 35, "second": 34}
